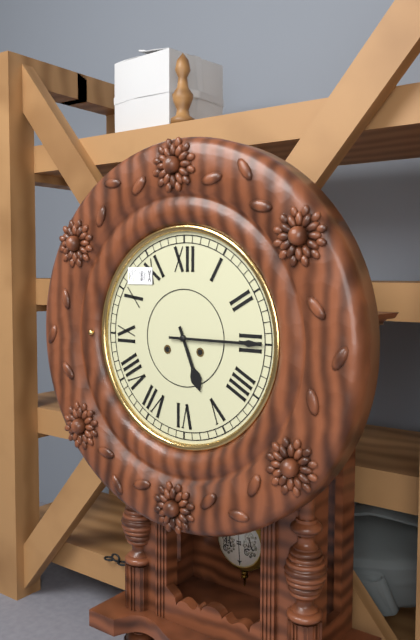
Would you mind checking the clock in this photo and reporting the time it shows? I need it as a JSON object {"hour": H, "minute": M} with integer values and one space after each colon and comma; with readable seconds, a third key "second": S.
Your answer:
{"hour": 5, "minute": 15}
